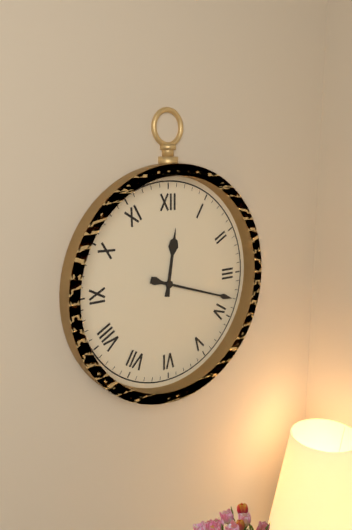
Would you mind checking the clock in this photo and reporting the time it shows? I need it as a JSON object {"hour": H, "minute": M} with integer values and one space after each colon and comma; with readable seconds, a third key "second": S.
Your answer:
{"hour": 12, "minute": 18}
